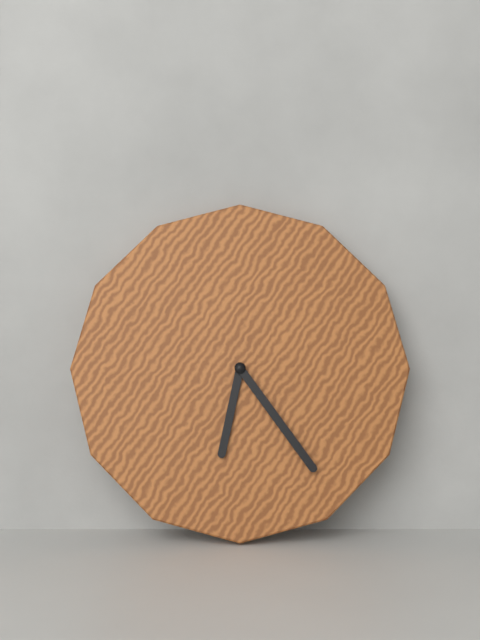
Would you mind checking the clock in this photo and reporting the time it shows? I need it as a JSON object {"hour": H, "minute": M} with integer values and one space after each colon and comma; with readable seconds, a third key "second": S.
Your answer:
{"hour": 6, "minute": 24}
